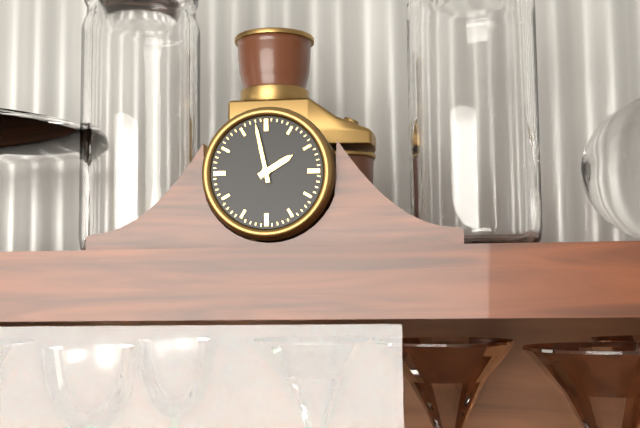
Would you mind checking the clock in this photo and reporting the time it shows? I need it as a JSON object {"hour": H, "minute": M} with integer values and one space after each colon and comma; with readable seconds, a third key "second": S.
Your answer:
{"hour": 1, "minute": 58}
